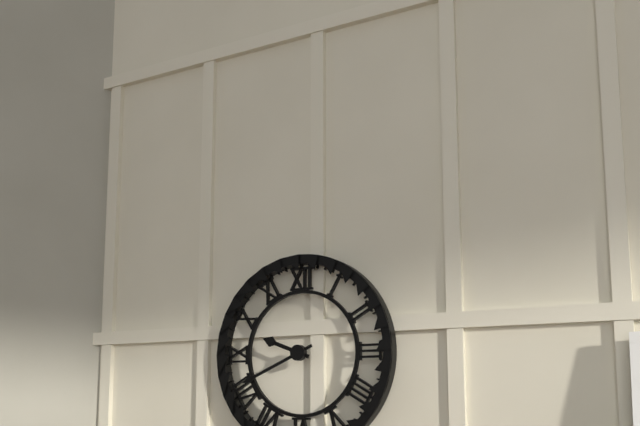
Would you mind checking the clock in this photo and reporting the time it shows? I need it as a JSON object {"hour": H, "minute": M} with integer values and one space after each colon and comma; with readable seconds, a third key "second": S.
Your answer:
{"hour": 9, "minute": 41}
